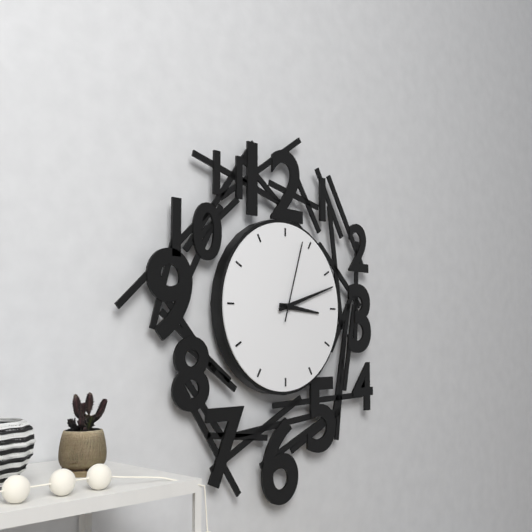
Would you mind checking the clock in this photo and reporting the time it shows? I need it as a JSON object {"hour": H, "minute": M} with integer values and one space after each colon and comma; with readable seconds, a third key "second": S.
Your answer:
{"hour": 3, "minute": 12, "second": 3}
